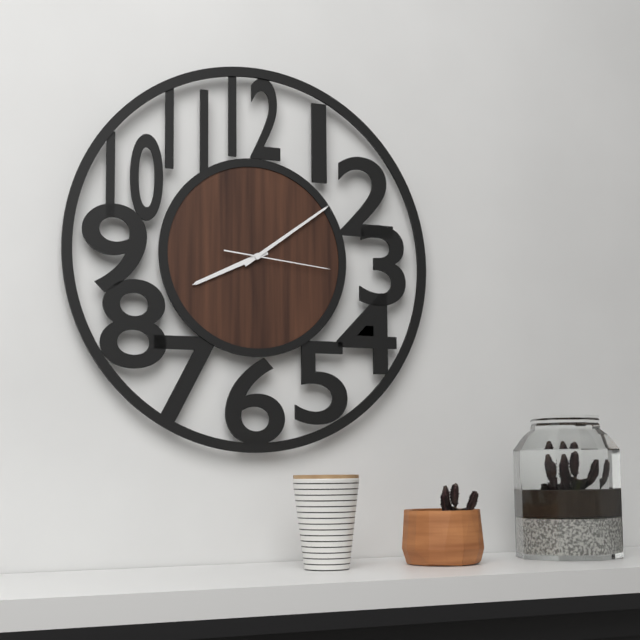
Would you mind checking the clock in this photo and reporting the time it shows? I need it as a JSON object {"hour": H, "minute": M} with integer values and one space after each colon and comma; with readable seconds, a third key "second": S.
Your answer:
{"hour": 8, "minute": 9, "second": 16}
